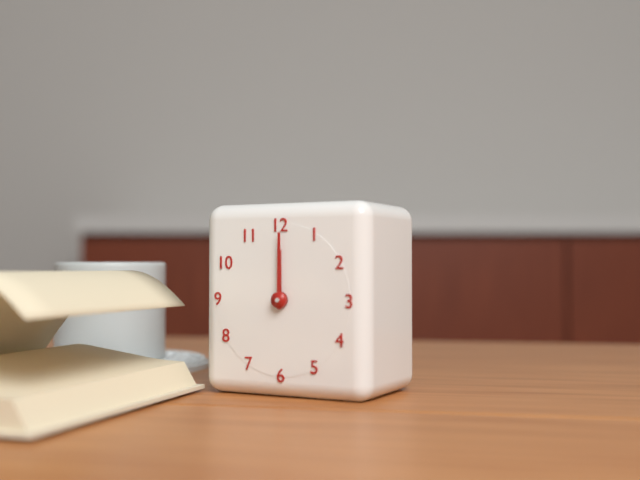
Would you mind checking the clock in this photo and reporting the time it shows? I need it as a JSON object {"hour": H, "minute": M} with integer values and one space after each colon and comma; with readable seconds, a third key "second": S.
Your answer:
{"hour": 12, "minute": 0}
